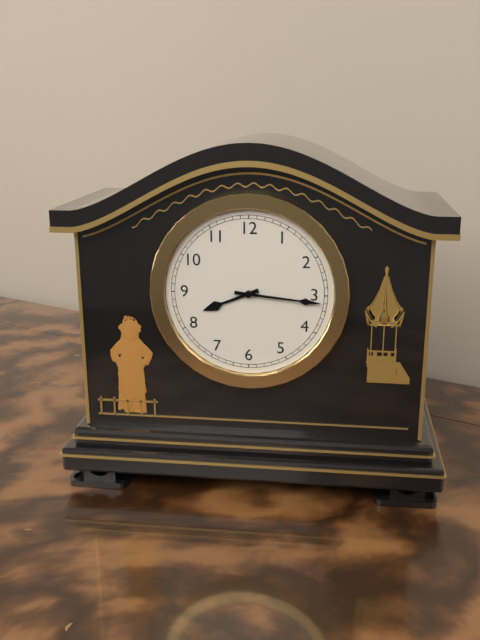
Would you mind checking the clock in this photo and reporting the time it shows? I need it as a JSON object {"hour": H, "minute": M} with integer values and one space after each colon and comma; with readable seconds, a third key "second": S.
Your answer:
{"hour": 8, "minute": 16}
